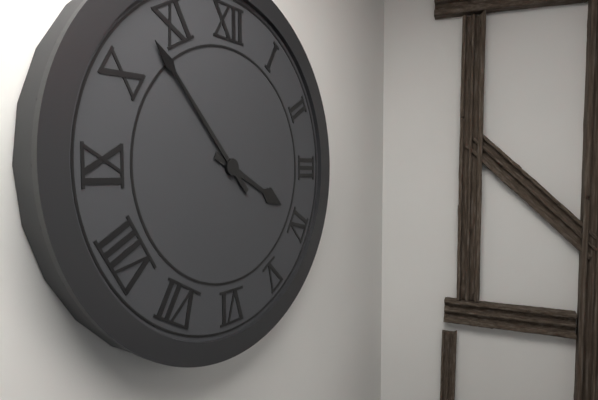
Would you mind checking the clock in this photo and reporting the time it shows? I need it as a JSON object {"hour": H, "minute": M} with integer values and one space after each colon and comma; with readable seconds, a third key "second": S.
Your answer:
{"hour": 3, "minute": 53}
